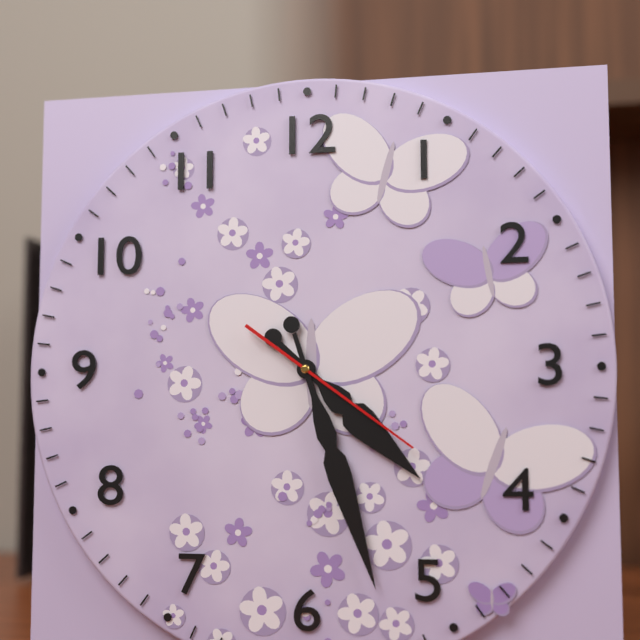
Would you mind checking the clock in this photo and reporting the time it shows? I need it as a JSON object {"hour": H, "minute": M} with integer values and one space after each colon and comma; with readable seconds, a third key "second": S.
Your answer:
{"hour": 4, "minute": 27, "second": 21}
